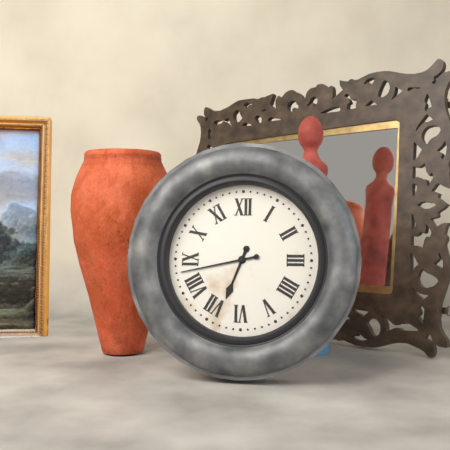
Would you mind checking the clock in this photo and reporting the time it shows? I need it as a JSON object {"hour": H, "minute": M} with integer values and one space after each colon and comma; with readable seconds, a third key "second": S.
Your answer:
{"hour": 6, "minute": 43}
